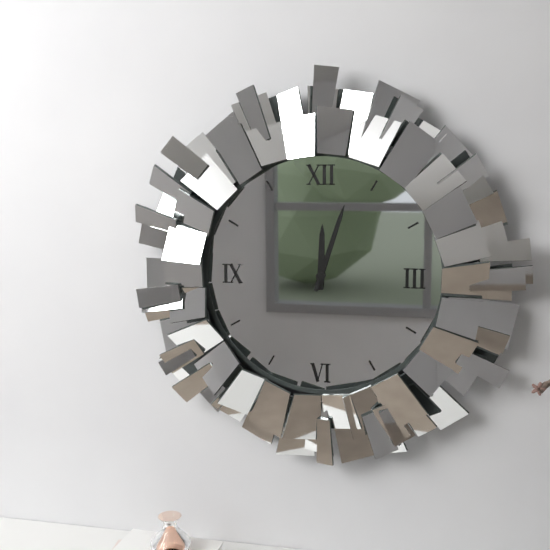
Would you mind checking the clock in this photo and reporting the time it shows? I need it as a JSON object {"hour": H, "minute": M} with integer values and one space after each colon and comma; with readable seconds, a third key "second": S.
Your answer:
{"hour": 12, "minute": 3}
